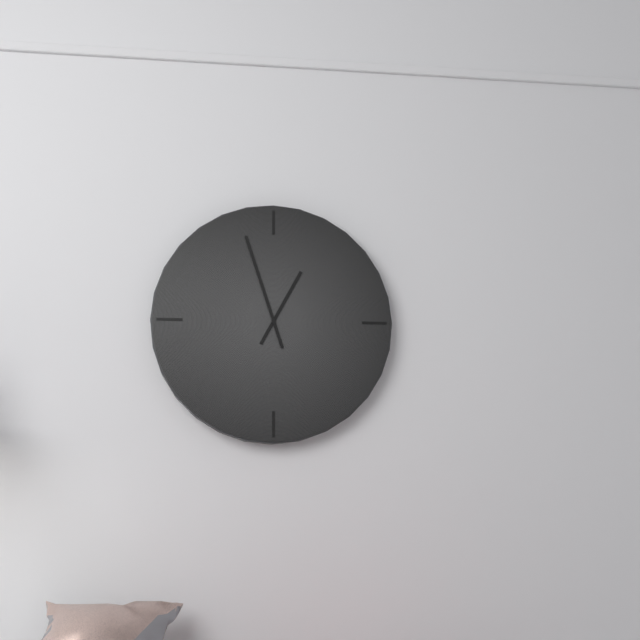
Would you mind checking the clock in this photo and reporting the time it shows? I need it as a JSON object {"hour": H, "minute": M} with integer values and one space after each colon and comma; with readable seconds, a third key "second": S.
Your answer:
{"hour": 12, "minute": 57}
